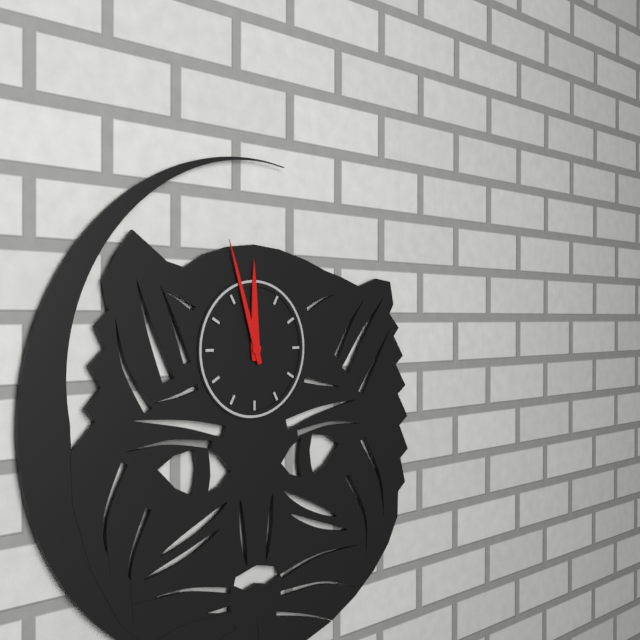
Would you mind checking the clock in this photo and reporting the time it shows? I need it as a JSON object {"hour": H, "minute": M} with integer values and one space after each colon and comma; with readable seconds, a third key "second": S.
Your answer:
{"hour": 11, "minute": 57}
